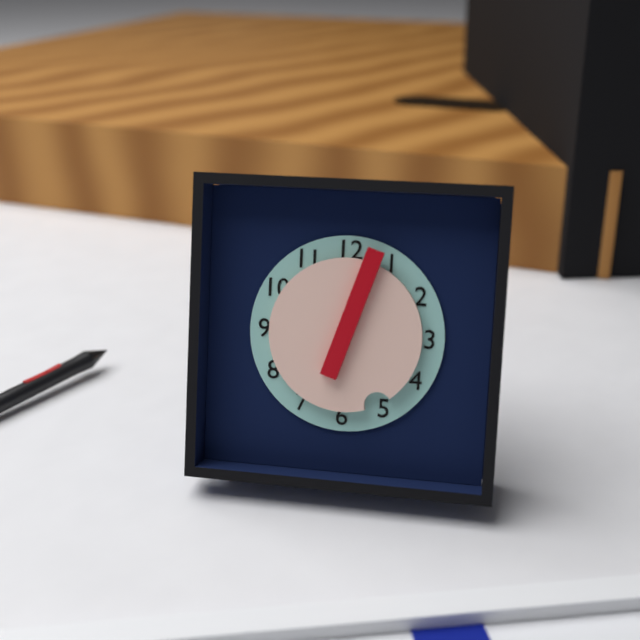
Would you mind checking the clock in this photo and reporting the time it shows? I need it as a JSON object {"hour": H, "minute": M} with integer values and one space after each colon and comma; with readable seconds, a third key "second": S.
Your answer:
{"hour": 5, "minute": 3}
